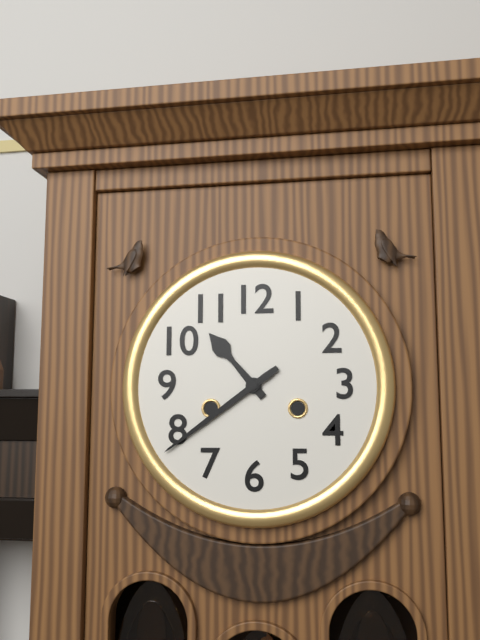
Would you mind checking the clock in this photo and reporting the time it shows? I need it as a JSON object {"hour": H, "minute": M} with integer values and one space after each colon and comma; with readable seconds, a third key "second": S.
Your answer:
{"hour": 10, "minute": 39}
